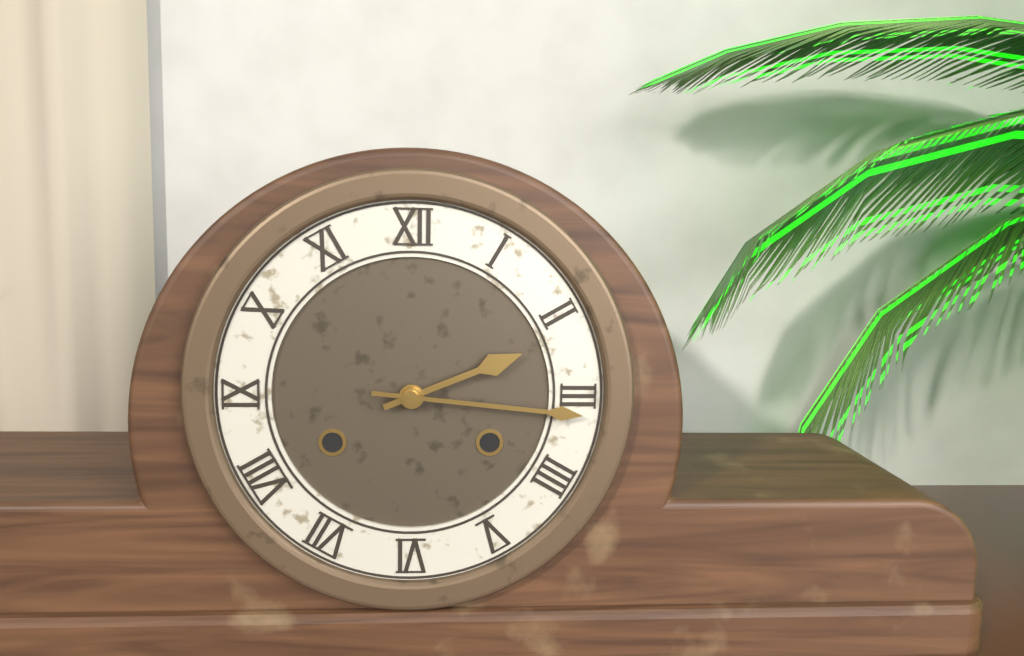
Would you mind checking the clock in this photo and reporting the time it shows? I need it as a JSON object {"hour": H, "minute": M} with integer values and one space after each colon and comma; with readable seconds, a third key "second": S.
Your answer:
{"hour": 2, "minute": 16}
